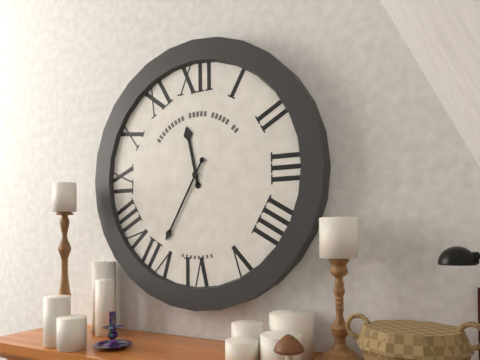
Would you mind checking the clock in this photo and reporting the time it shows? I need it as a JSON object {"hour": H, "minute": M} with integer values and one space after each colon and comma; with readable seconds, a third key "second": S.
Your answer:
{"hour": 11, "minute": 35}
